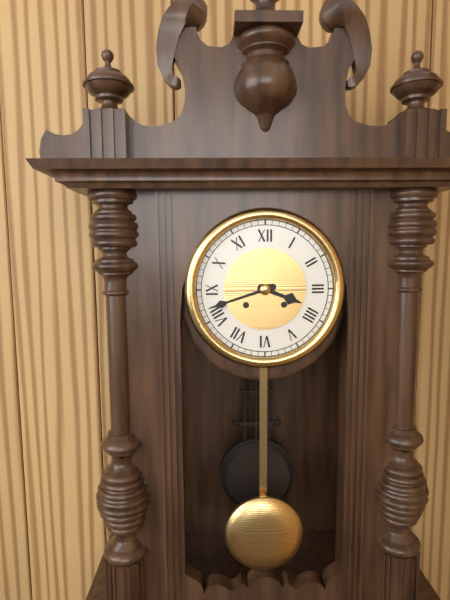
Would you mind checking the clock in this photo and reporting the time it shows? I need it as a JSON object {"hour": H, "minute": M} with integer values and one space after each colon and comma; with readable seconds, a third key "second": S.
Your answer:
{"hour": 3, "minute": 42}
